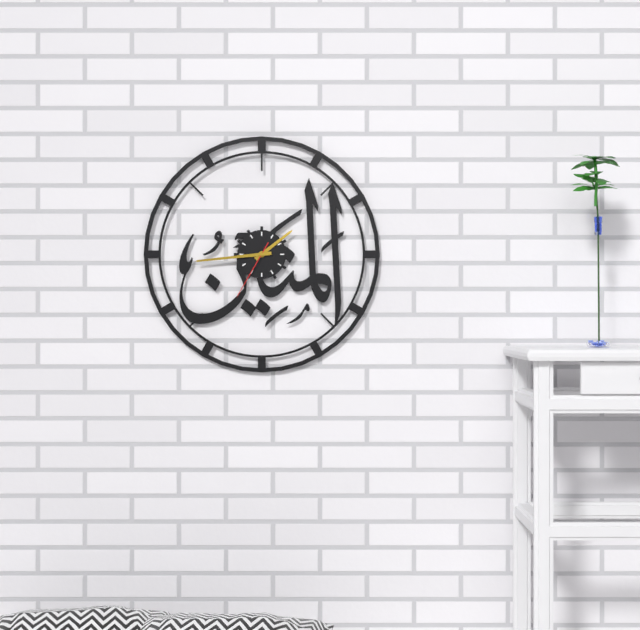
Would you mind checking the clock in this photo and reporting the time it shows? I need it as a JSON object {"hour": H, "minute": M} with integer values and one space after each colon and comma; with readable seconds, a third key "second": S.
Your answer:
{"hour": 1, "minute": 44, "second": 35}
